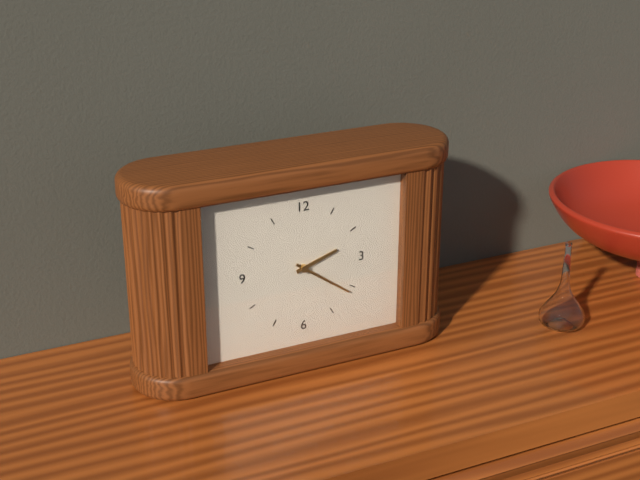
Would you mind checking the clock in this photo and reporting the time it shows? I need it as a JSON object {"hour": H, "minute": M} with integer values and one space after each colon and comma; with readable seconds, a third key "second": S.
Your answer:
{"hour": 2, "minute": 21}
